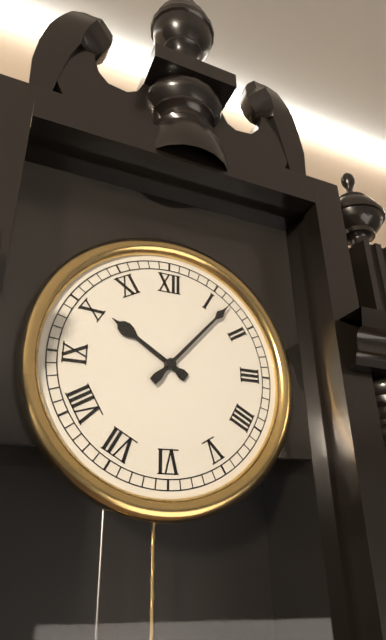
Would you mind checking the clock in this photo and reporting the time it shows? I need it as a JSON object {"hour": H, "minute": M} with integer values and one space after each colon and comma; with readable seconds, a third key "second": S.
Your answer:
{"hour": 10, "minute": 7}
